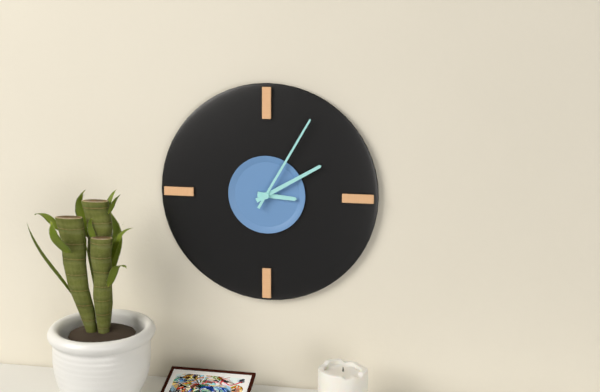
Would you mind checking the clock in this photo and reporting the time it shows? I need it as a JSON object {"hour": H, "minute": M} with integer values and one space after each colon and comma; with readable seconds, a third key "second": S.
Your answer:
{"hour": 3, "minute": 10, "second": 5}
